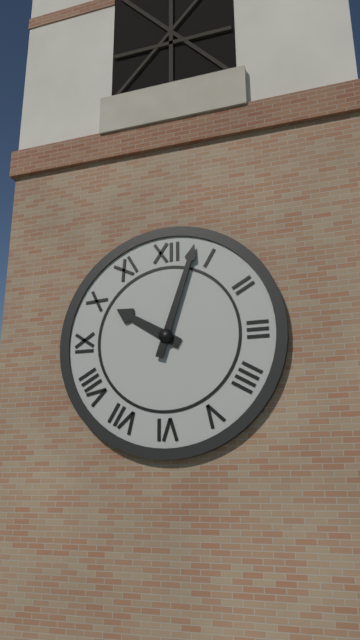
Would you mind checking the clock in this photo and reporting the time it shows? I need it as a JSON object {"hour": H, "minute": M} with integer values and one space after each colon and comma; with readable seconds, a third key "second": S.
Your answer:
{"hour": 10, "minute": 3}
